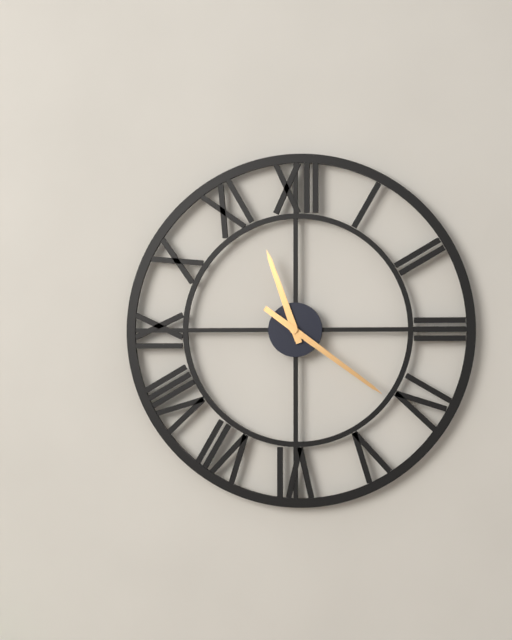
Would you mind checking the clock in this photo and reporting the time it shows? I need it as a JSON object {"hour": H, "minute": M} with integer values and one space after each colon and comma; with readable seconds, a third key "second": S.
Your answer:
{"hour": 11, "minute": 21}
